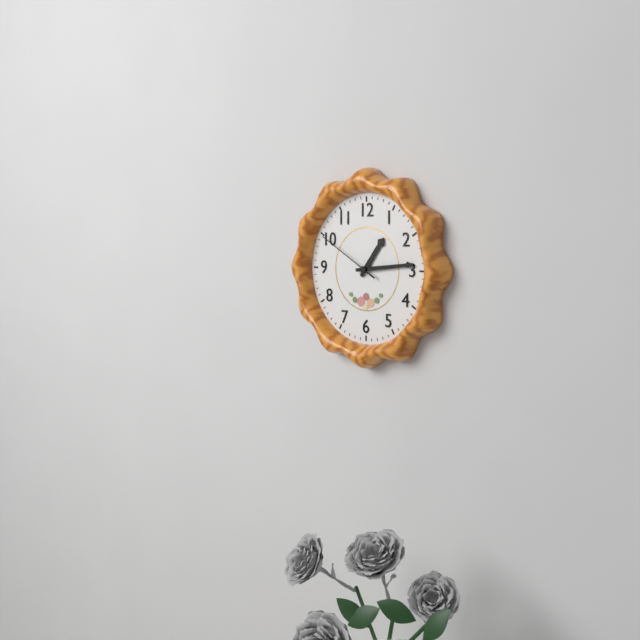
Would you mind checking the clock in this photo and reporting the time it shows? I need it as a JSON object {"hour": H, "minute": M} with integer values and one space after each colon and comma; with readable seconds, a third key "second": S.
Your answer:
{"hour": 1, "minute": 14, "second": 50}
